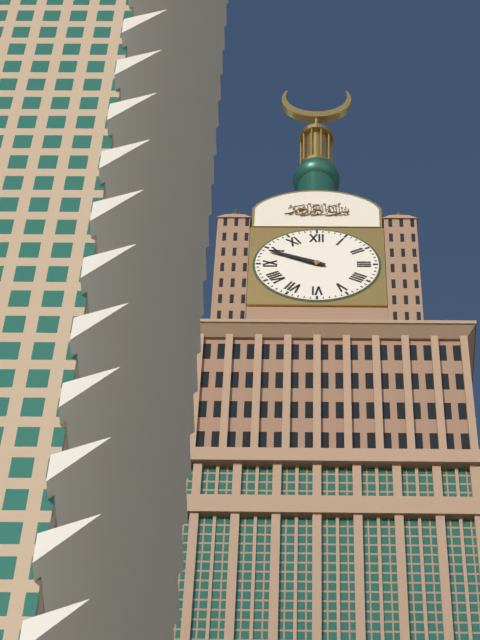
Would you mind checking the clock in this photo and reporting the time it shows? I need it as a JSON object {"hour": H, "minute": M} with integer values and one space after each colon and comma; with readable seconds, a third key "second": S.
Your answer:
{"hour": 9, "minute": 49}
